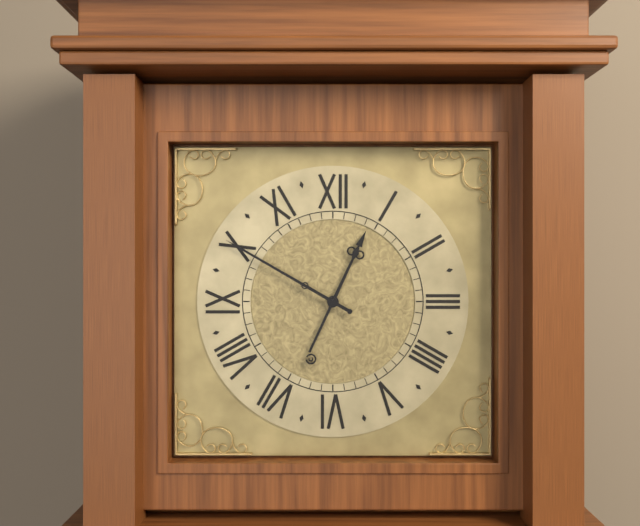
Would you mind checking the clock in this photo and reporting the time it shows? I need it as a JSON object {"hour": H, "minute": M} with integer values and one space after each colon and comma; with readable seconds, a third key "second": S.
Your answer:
{"hour": 12, "minute": 50}
